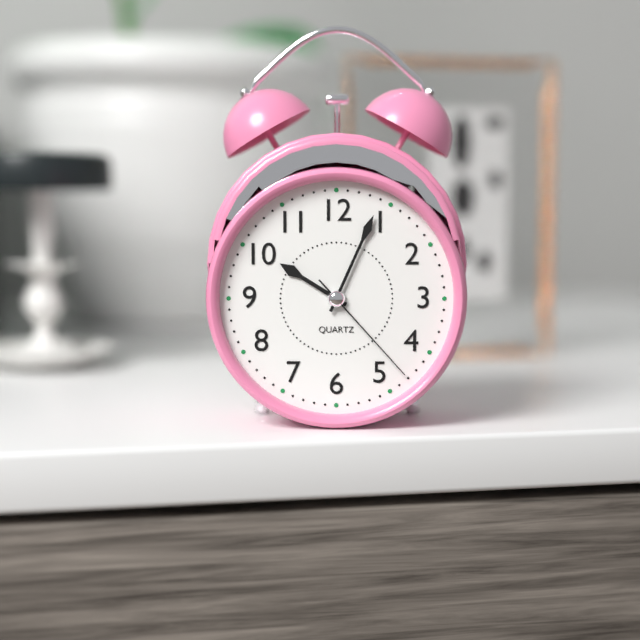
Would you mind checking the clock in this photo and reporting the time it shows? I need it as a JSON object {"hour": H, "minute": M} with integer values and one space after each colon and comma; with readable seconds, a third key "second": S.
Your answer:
{"hour": 10, "minute": 4, "second": 23}
